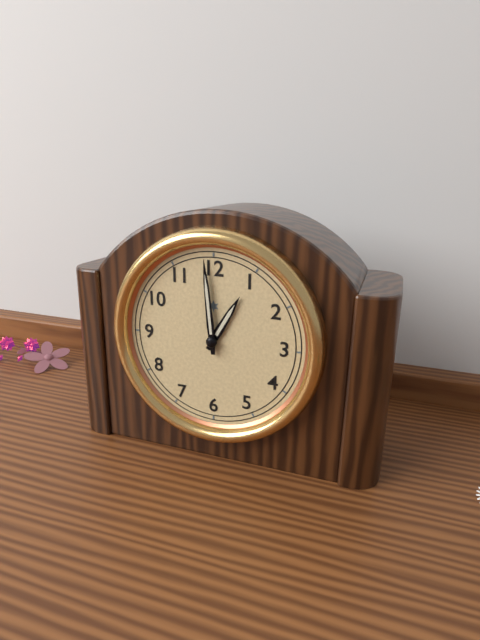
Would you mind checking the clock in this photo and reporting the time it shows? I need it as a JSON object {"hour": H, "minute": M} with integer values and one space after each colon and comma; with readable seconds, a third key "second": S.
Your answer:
{"hour": 12, "minute": 59}
